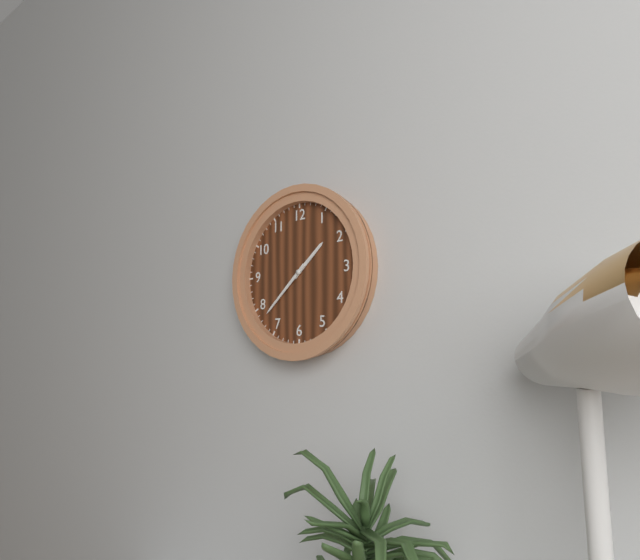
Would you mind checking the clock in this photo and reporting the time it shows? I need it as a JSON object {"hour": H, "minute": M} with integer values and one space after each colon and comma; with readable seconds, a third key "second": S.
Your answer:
{"hour": 1, "minute": 38}
